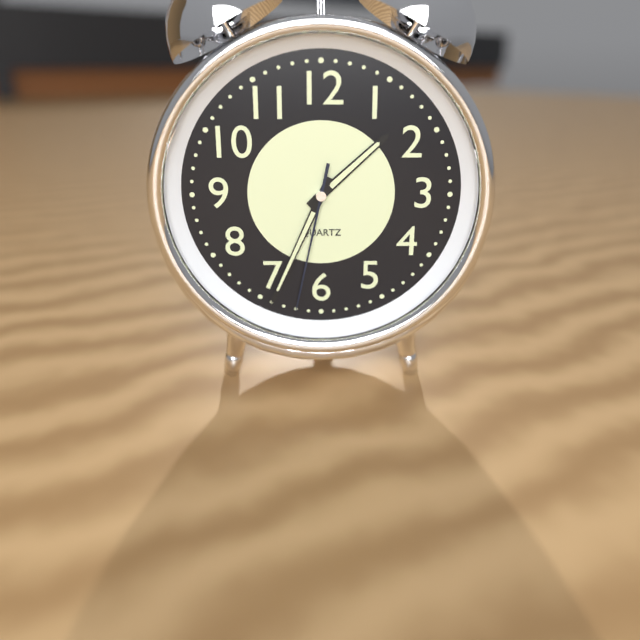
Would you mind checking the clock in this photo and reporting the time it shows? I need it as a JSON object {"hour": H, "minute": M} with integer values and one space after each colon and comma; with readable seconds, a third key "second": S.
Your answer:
{"hour": 1, "minute": 34, "second": 32}
